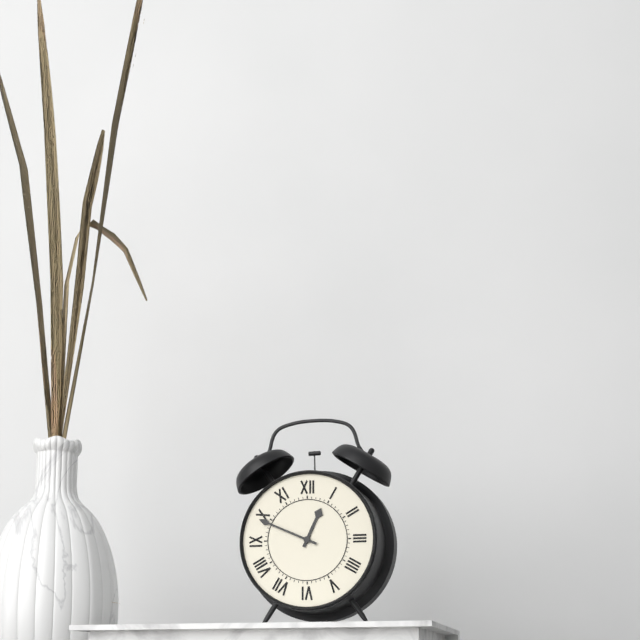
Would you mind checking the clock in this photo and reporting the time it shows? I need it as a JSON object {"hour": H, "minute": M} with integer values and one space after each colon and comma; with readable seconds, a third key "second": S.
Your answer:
{"hour": 12, "minute": 49}
